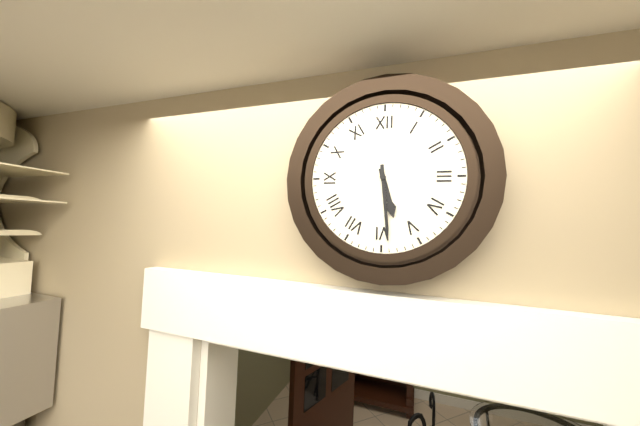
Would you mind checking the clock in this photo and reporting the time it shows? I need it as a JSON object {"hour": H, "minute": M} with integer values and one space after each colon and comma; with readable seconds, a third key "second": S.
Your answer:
{"hour": 5, "minute": 29}
